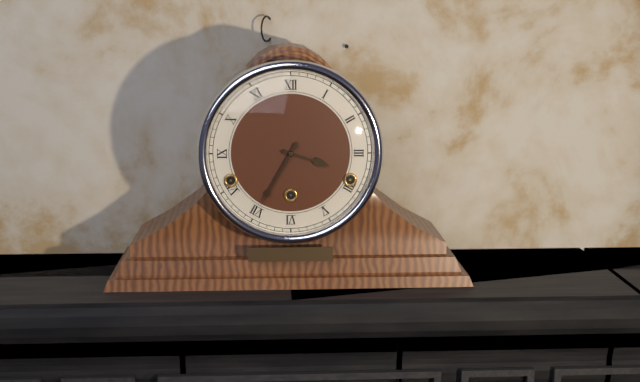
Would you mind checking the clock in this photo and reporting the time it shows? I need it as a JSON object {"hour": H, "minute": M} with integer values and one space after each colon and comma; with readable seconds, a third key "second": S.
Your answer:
{"hour": 3, "minute": 35}
